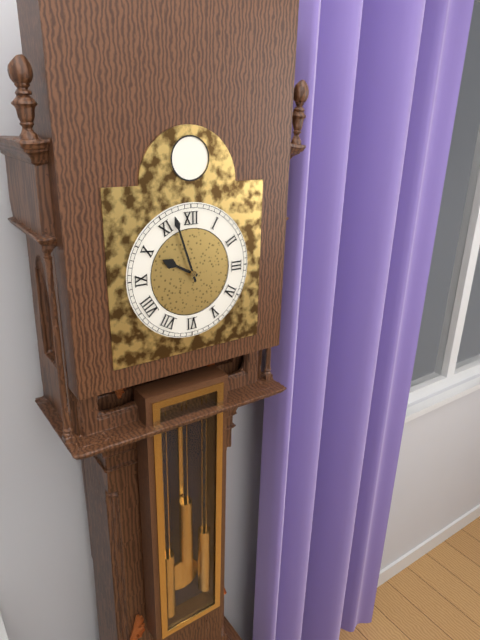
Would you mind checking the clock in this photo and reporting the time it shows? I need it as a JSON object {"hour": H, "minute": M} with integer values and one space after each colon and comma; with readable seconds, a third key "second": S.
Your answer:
{"hour": 9, "minute": 57}
